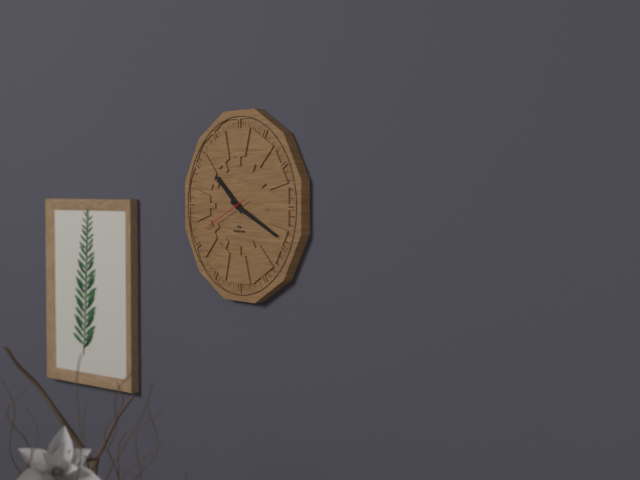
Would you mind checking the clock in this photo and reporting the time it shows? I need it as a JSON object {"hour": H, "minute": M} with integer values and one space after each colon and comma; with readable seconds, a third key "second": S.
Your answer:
{"hour": 10, "minute": 19}
